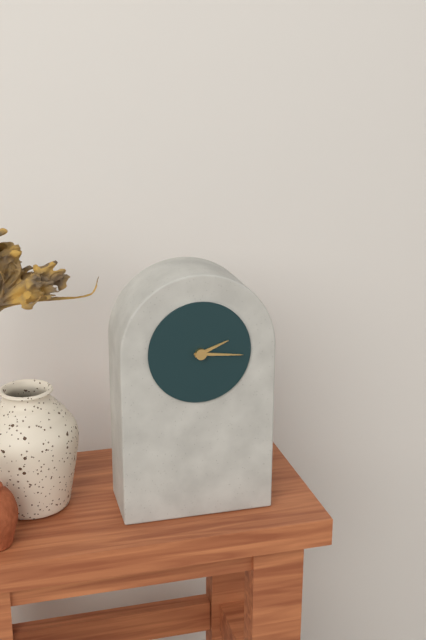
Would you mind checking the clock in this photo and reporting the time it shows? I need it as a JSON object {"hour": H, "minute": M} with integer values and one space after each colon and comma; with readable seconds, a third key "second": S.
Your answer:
{"hour": 2, "minute": 16}
